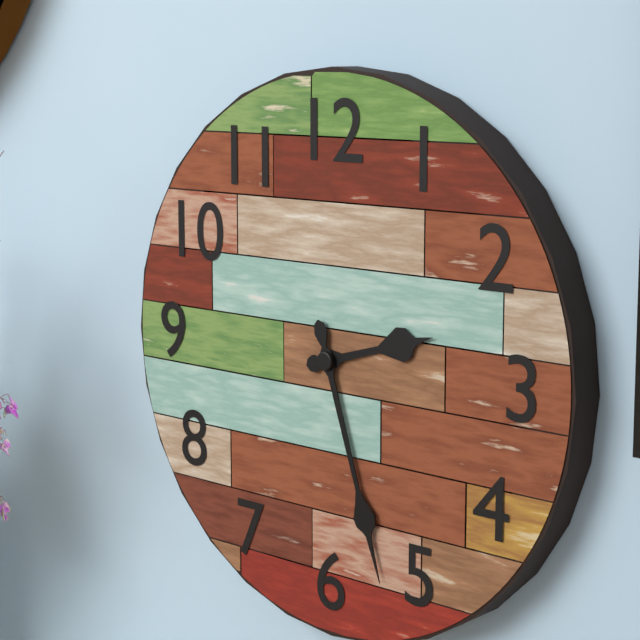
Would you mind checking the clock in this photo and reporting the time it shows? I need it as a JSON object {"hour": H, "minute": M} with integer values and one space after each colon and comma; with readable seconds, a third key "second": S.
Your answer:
{"hour": 2, "minute": 27}
